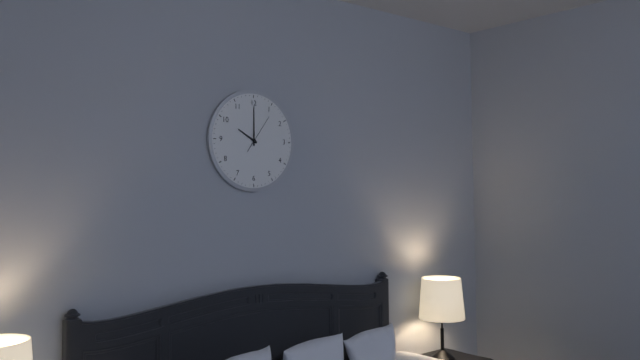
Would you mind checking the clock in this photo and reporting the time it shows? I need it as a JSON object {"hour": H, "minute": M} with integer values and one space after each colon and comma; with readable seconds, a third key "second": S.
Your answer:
{"hour": 10, "minute": 0}
